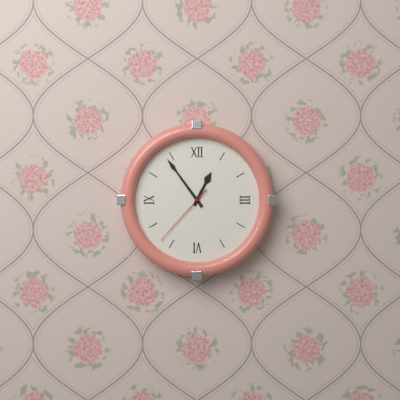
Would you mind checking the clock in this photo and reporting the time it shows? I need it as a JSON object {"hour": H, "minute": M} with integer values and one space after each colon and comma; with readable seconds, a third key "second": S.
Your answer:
{"hour": 12, "minute": 54, "second": 37}
